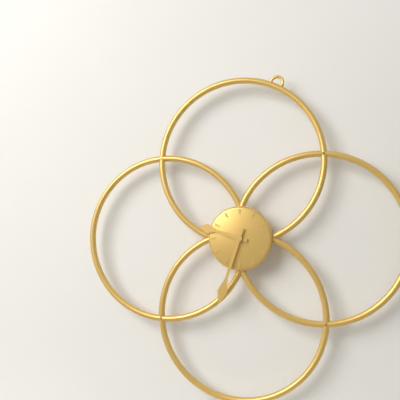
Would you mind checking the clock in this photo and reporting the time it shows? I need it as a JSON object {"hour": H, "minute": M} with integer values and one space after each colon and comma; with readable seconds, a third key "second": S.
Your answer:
{"hour": 9, "minute": 33}
